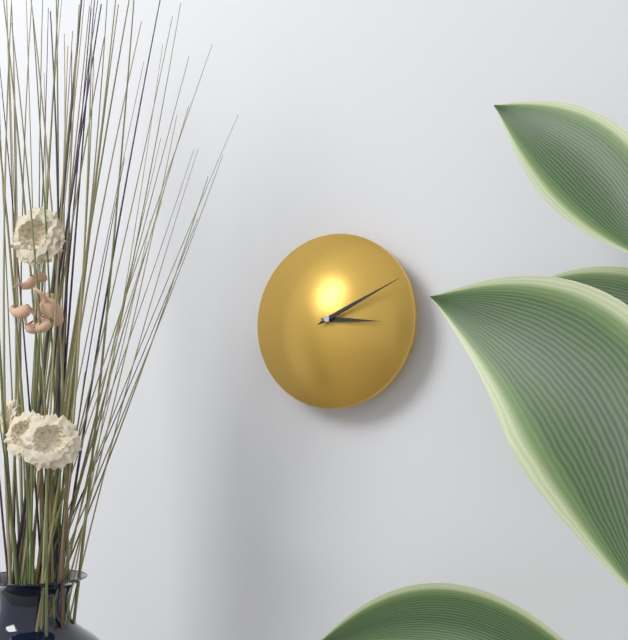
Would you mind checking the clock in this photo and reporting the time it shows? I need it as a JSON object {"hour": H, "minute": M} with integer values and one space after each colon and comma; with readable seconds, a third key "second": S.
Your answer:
{"hour": 3, "minute": 11}
